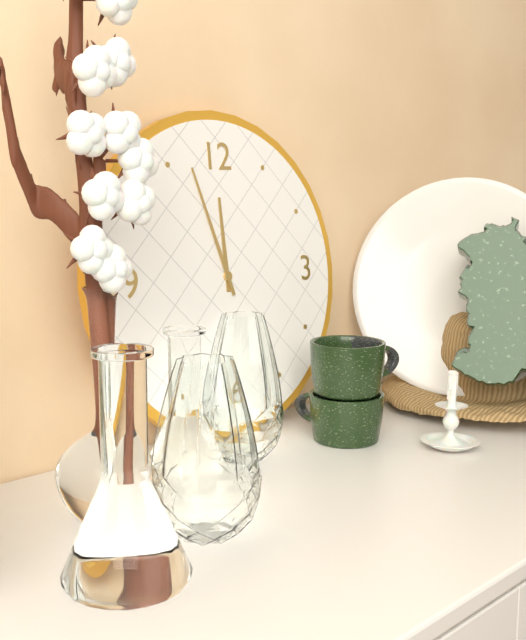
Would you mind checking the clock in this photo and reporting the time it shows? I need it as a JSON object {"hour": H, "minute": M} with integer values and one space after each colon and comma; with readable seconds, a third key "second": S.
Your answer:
{"hour": 11, "minute": 57}
